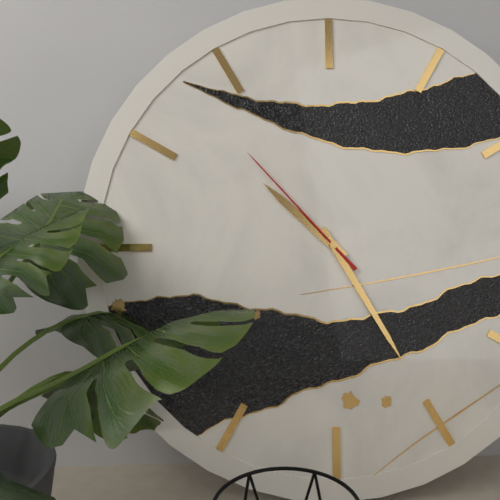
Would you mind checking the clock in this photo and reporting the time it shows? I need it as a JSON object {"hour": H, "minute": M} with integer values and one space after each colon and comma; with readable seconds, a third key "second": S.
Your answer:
{"hour": 10, "minute": 25, "second": 53}
